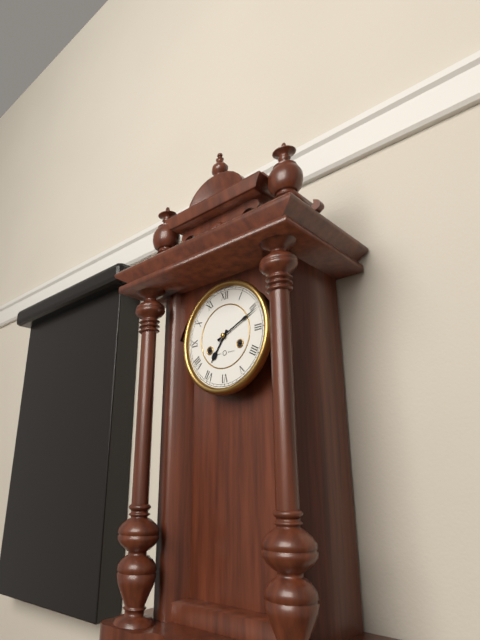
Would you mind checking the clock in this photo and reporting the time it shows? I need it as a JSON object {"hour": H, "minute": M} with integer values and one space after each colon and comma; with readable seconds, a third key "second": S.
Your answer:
{"hour": 7, "minute": 11}
